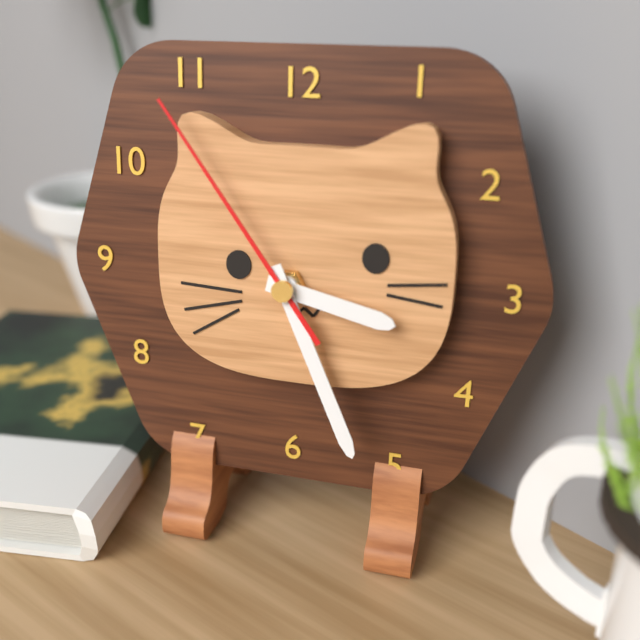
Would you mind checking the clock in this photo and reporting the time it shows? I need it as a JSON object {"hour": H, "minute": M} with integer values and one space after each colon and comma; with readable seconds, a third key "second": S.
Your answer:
{"hour": 3, "minute": 26, "second": 54}
